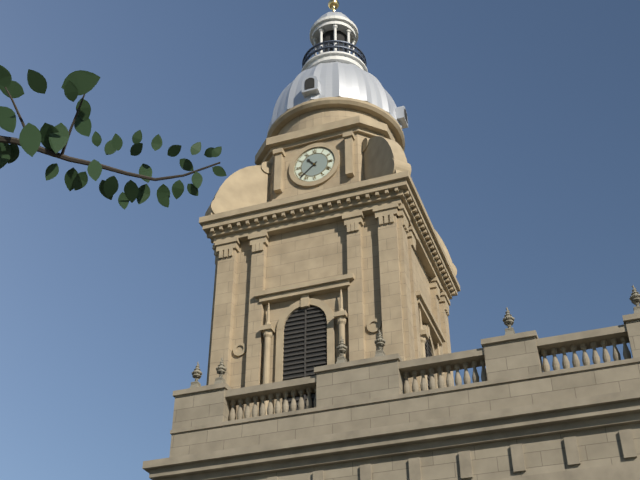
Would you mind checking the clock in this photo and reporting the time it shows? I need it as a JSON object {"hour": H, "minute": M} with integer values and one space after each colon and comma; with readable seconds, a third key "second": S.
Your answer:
{"hour": 10, "minute": 38}
